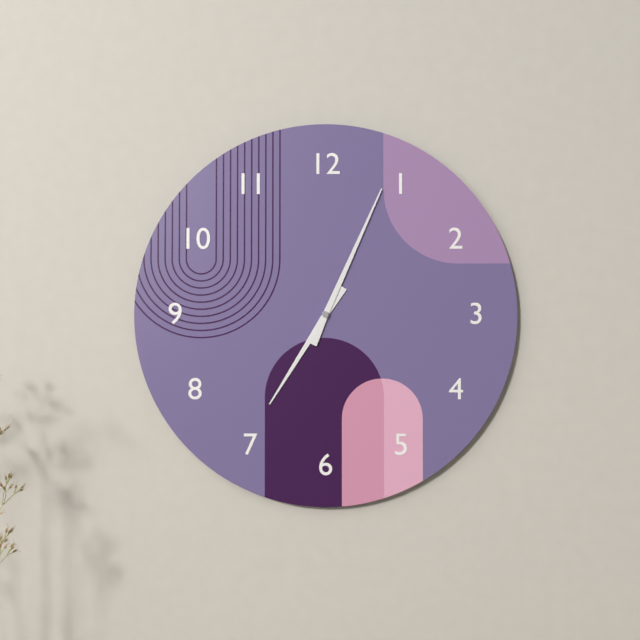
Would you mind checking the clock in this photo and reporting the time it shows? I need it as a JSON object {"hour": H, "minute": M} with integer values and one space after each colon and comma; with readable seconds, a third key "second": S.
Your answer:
{"hour": 7, "minute": 4}
